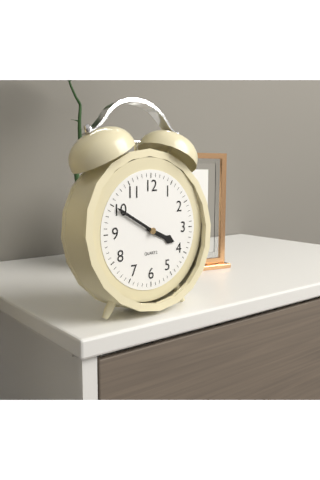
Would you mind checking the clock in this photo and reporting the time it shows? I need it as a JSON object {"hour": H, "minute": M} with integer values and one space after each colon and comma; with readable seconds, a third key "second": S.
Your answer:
{"hour": 3, "minute": 50}
